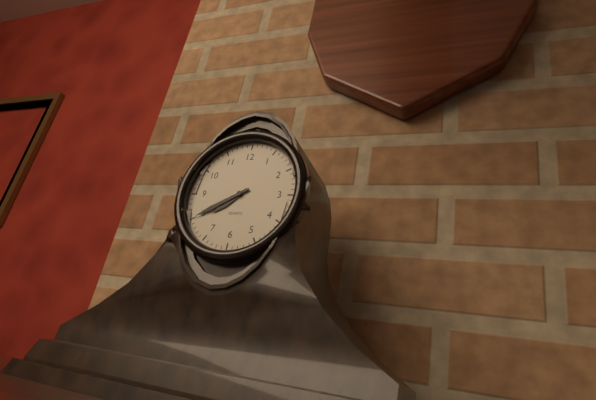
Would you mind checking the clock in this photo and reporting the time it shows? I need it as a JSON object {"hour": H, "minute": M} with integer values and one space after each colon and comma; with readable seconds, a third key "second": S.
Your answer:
{"hour": 7, "minute": 40}
